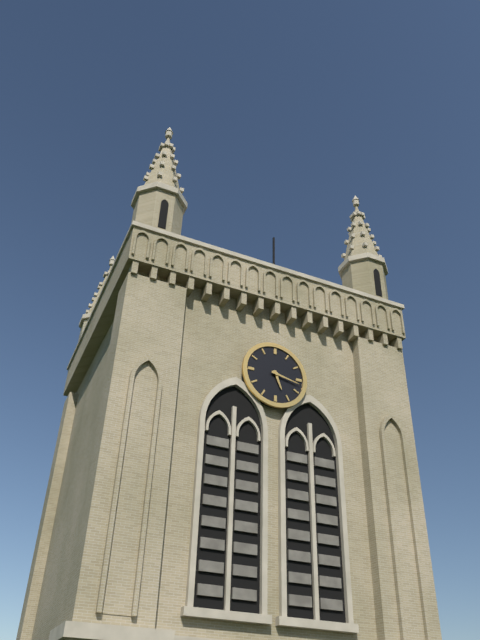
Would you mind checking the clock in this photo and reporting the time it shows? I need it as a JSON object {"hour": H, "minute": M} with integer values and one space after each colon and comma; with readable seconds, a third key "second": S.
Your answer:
{"hour": 5, "minute": 17}
